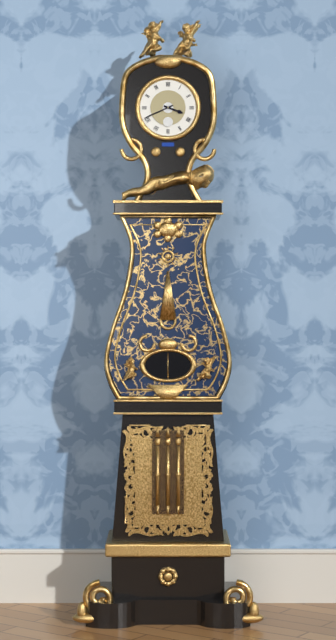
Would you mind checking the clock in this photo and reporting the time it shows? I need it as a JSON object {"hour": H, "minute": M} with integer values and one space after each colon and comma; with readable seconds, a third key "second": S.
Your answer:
{"hour": 3, "minute": 41}
